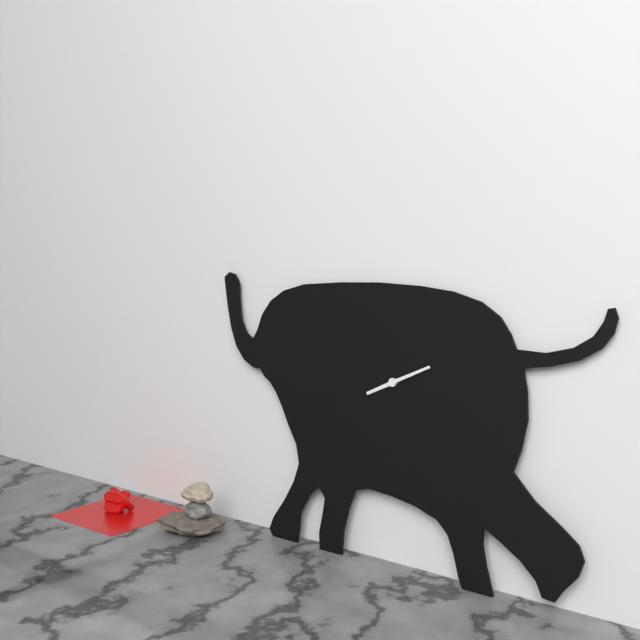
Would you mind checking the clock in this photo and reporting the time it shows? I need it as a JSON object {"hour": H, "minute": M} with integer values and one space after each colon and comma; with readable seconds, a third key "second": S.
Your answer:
{"hour": 8, "minute": 11}
